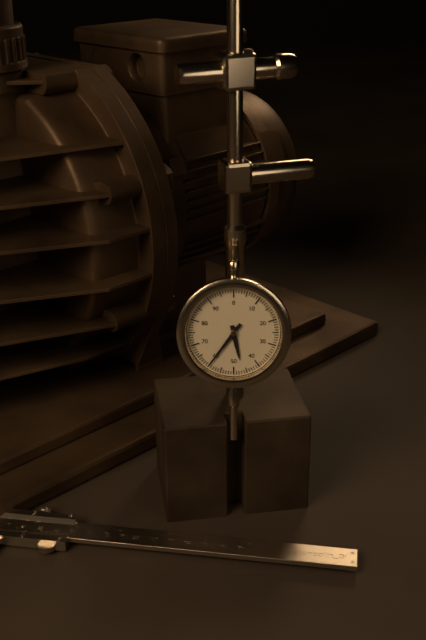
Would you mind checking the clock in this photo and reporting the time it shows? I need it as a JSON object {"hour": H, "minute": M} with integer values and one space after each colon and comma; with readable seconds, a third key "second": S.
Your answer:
{"hour": 5, "minute": 36}
